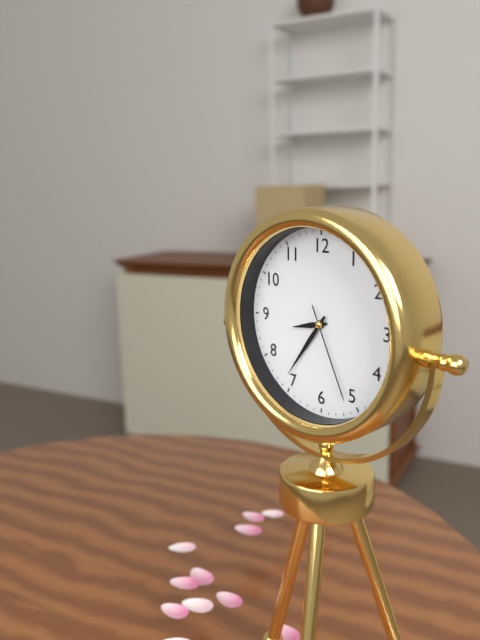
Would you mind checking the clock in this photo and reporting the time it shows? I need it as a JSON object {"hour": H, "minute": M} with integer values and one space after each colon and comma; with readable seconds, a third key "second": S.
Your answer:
{"hour": 8, "minute": 36, "second": 26}
